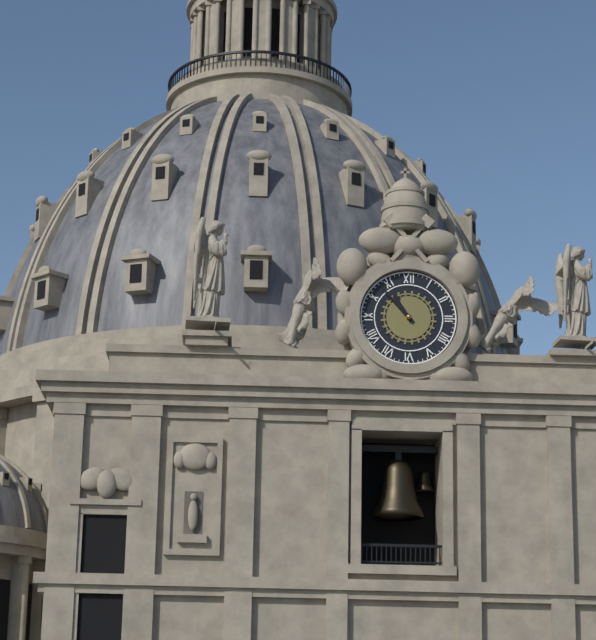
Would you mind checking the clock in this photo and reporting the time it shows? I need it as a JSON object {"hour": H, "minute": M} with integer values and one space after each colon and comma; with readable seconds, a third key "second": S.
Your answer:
{"hour": 10, "minute": 53}
